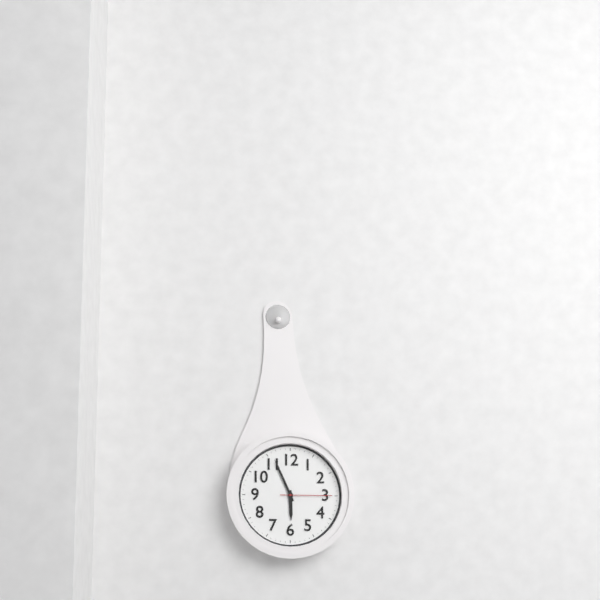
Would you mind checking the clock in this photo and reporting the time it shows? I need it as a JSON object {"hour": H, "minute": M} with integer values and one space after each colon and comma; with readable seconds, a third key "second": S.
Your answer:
{"hour": 5, "minute": 56, "second": 15}
